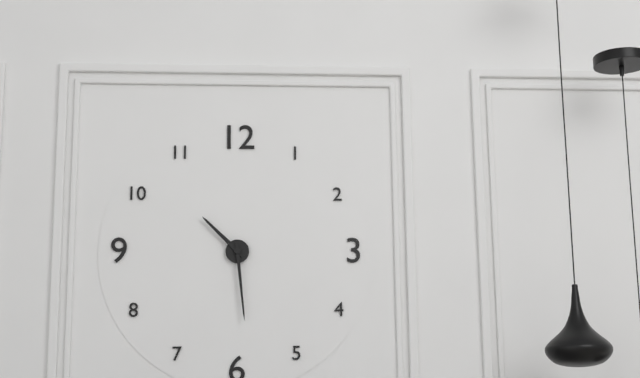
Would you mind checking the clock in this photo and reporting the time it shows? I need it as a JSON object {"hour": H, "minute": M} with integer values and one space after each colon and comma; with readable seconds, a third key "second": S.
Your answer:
{"hour": 10, "minute": 29}
